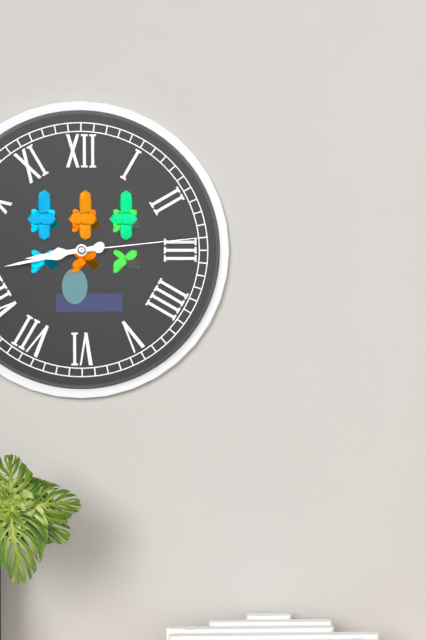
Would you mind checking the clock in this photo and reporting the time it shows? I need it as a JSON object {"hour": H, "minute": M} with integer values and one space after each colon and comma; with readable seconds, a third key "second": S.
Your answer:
{"hour": 8, "minute": 43, "second": 14}
